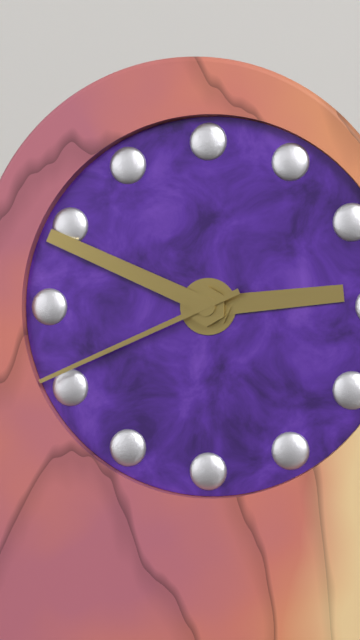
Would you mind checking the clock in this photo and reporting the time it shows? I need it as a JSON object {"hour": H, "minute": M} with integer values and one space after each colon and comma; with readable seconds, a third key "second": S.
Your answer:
{"hour": 2, "minute": 49, "second": 41}
